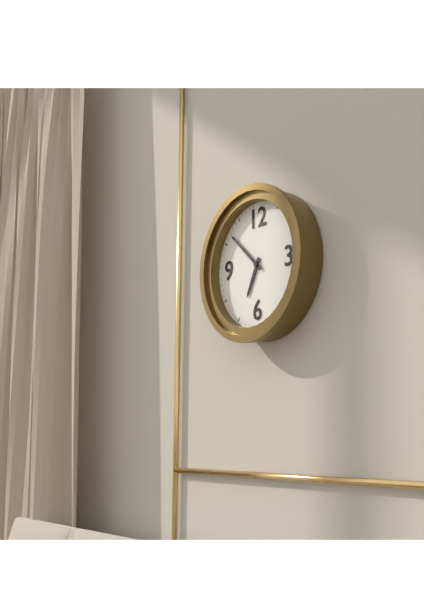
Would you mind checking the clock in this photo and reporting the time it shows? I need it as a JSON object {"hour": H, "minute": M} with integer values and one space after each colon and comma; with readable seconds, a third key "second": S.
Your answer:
{"hour": 6, "minute": 52}
